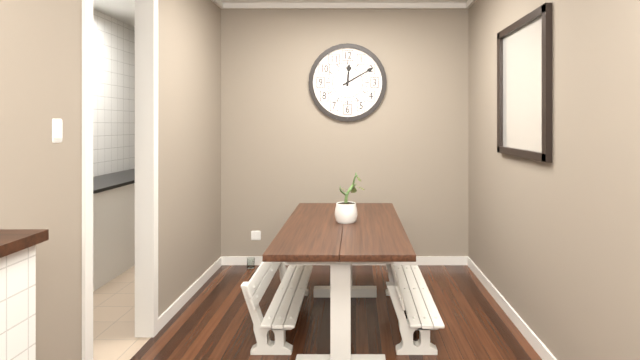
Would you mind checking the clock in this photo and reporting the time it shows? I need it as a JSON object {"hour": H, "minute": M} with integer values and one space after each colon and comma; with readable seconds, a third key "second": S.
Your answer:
{"hour": 12, "minute": 10}
